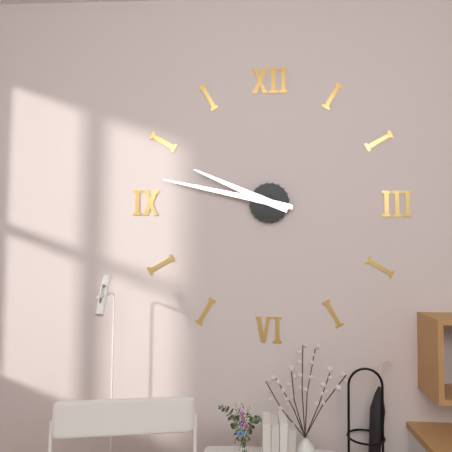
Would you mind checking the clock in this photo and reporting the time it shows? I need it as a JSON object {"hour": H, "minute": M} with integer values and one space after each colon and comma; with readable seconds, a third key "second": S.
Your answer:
{"hour": 9, "minute": 47}
